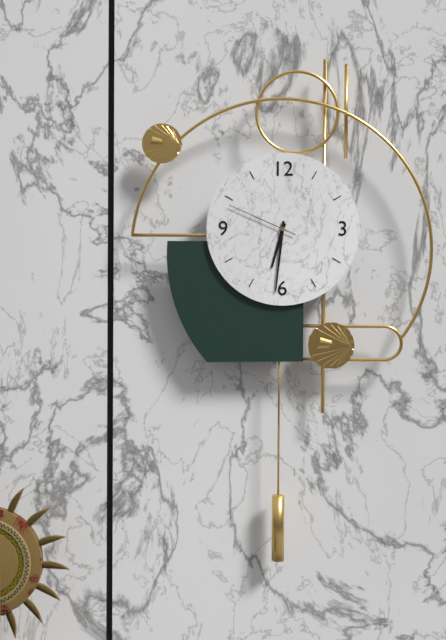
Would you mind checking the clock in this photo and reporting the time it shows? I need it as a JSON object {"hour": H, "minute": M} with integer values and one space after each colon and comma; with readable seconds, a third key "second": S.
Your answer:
{"hour": 6, "minute": 31, "second": 49}
